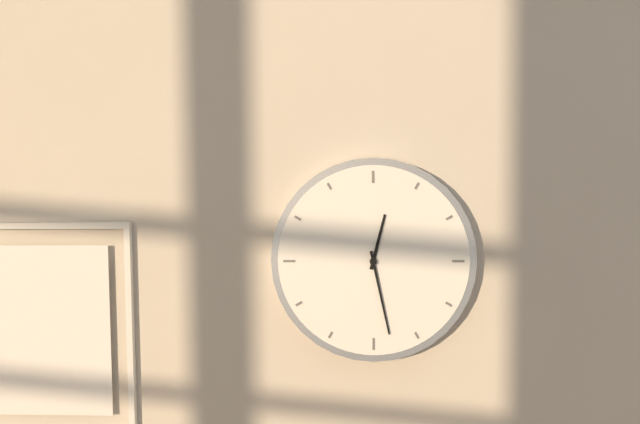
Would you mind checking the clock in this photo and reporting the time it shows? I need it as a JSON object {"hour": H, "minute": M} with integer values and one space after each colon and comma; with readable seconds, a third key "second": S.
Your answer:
{"hour": 12, "minute": 28}
